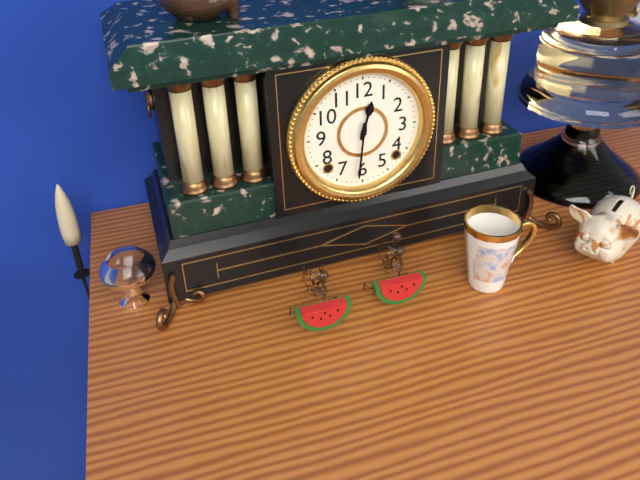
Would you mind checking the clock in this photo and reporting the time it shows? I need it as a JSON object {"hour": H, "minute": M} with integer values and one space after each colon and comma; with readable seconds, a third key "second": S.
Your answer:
{"hour": 12, "minute": 31}
